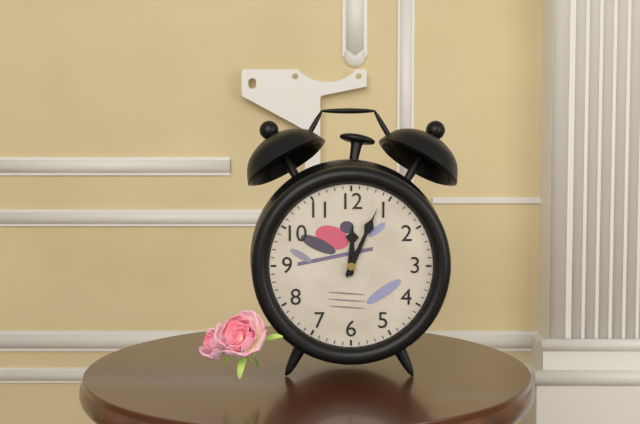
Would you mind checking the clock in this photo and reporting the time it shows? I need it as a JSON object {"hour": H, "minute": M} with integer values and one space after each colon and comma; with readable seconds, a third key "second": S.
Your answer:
{"hour": 12, "minute": 4}
